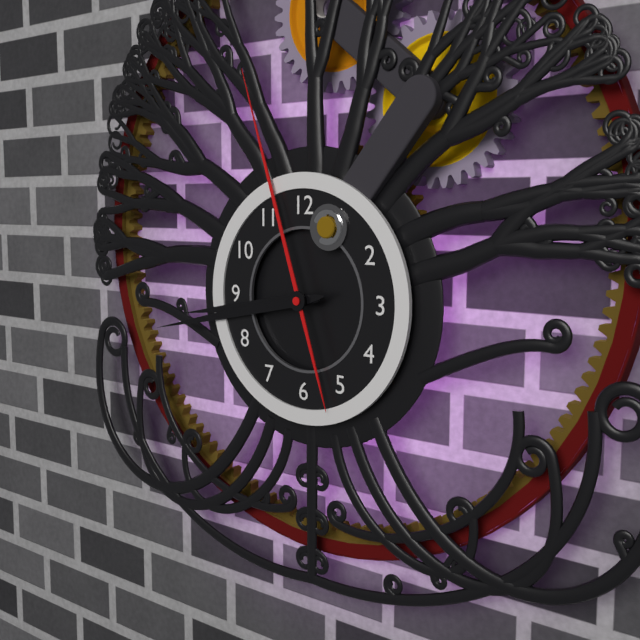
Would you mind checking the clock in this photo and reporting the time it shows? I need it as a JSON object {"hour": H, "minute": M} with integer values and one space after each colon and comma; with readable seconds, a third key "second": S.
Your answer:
{"hour": 8, "minute": 43, "second": 57}
